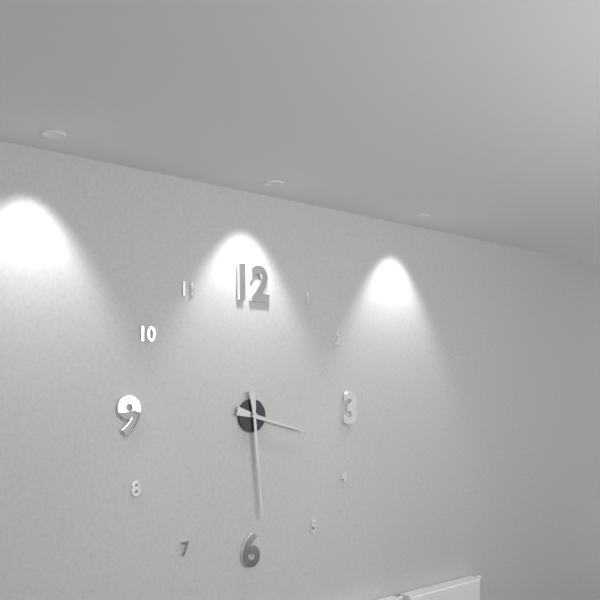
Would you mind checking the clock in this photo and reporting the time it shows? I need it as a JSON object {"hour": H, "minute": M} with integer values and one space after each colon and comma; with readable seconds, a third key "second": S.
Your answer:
{"hour": 3, "minute": 29}
